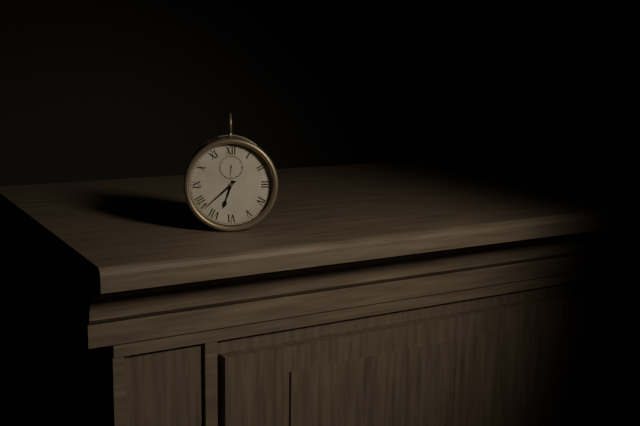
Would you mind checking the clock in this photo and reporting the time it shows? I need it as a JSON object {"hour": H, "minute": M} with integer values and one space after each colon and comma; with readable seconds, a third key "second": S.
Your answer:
{"hour": 6, "minute": 38}
